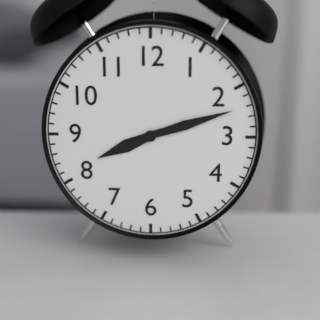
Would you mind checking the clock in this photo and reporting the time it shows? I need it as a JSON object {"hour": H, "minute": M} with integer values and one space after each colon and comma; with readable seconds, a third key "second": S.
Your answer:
{"hour": 8, "minute": 12}
